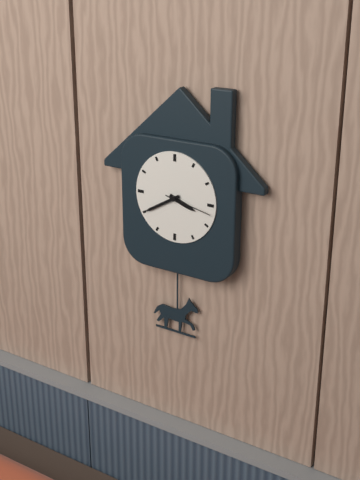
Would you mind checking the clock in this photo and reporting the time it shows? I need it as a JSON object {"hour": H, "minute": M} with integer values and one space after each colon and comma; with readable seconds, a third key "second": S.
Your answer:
{"hour": 3, "minute": 40, "second": 17}
